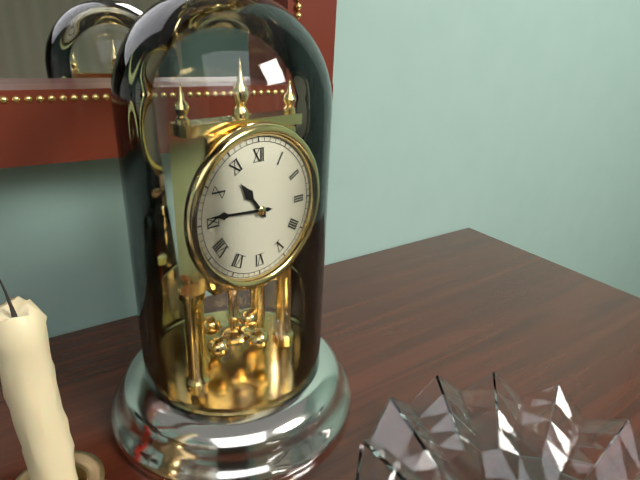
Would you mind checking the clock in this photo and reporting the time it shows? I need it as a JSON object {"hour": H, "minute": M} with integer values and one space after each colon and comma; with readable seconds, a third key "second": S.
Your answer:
{"hour": 10, "minute": 46}
